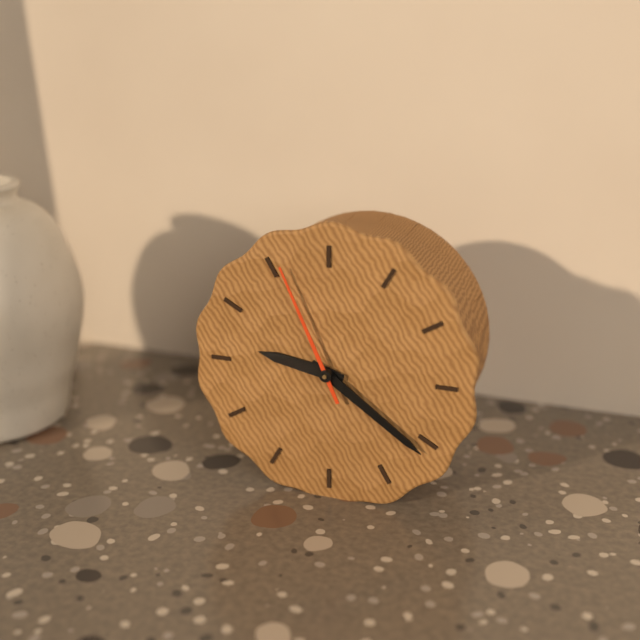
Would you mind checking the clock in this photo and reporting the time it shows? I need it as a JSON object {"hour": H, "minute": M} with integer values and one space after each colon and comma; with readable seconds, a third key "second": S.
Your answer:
{"hour": 9, "minute": 21, "second": 56}
